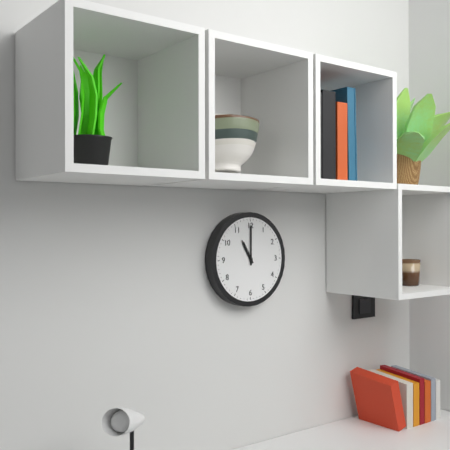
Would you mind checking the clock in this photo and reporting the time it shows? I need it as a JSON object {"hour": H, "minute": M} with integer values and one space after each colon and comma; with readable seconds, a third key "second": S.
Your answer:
{"hour": 11, "minute": 0}
